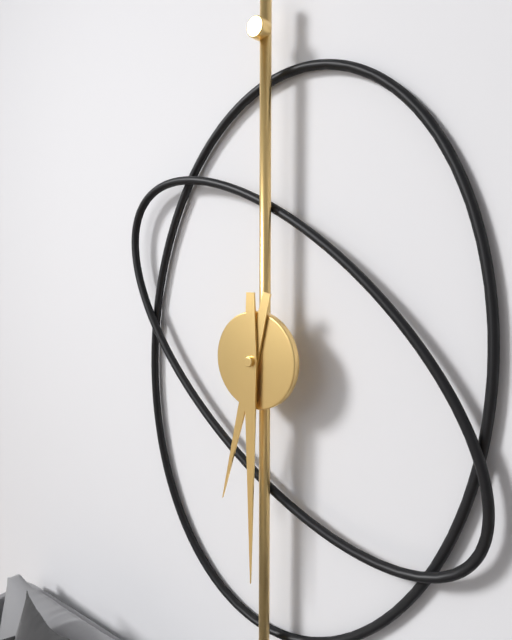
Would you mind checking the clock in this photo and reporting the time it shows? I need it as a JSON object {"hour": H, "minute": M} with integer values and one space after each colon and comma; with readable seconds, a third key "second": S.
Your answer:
{"hour": 6, "minute": 30}
